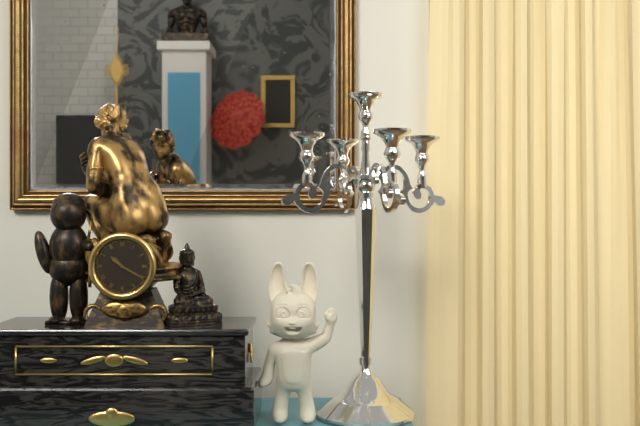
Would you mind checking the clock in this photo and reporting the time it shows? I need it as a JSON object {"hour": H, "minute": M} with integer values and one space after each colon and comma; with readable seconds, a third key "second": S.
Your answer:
{"hour": 10, "minute": 20}
